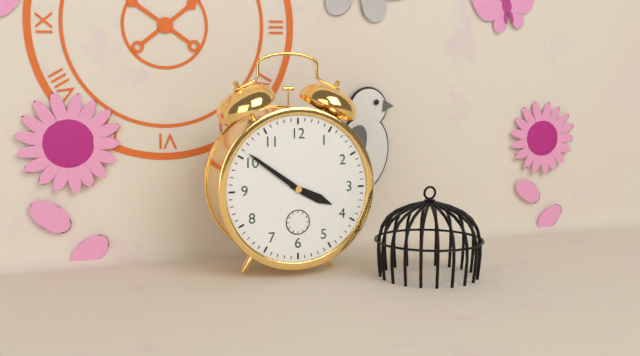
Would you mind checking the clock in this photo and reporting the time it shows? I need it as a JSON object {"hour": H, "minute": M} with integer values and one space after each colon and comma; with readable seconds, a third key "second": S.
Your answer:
{"hour": 3, "minute": 51}
